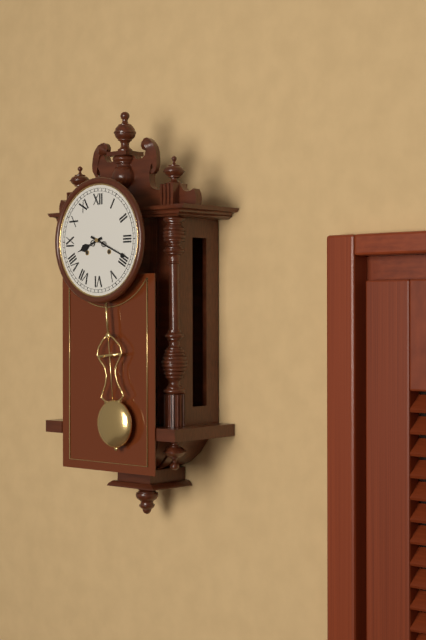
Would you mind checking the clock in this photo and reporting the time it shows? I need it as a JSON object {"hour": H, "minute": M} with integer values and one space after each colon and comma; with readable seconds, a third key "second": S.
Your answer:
{"hour": 8, "minute": 19}
